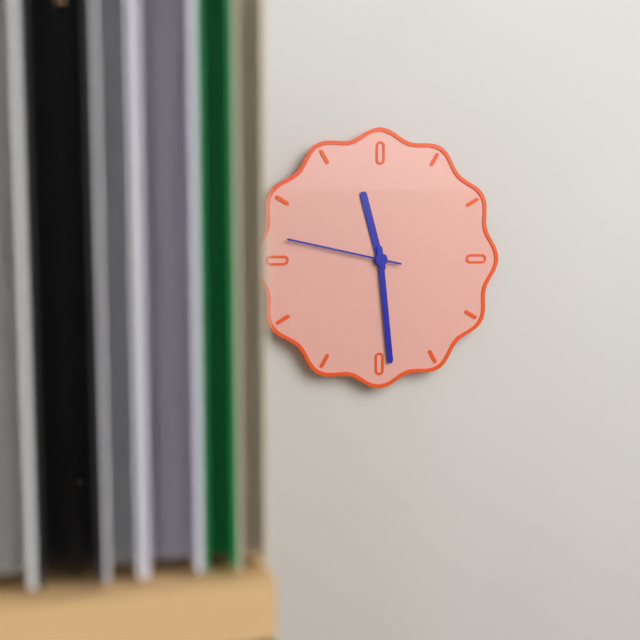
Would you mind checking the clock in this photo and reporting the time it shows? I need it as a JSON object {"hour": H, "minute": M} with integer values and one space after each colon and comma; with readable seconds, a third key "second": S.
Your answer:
{"hour": 11, "minute": 29, "second": 47}
